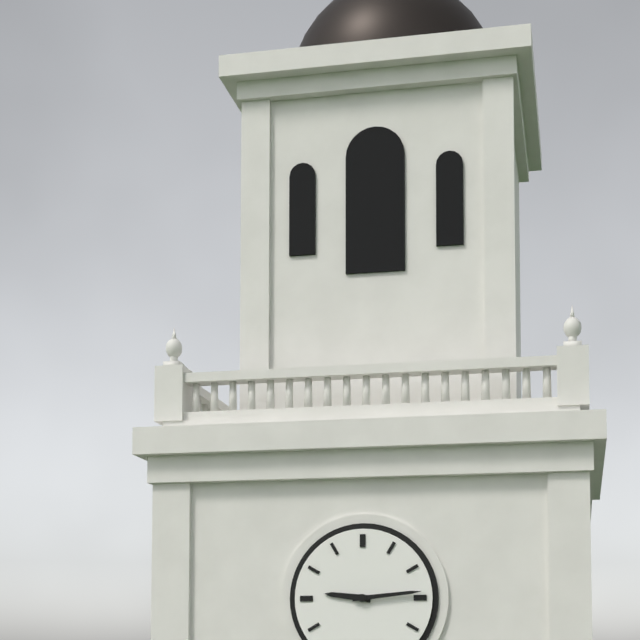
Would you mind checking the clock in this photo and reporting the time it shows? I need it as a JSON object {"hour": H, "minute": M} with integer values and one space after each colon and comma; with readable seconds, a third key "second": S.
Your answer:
{"hour": 9, "minute": 14}
